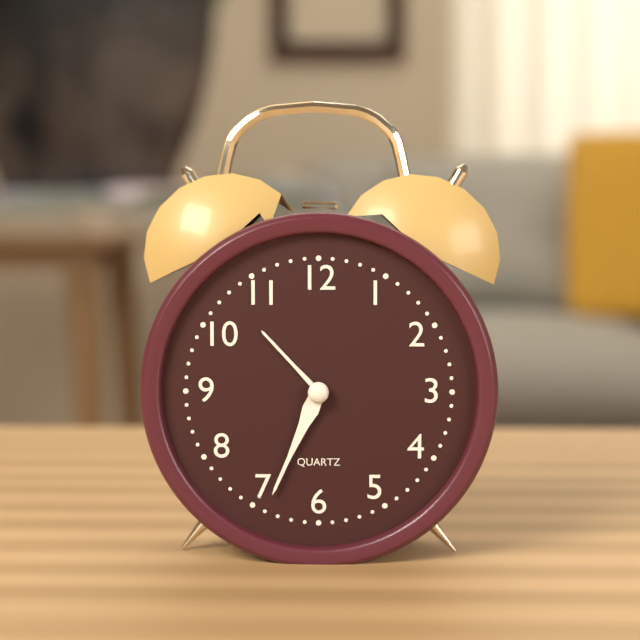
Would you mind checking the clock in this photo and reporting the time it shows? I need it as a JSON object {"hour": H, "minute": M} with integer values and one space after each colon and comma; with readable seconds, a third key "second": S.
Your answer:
{"hour": 10, "minute": 34}
